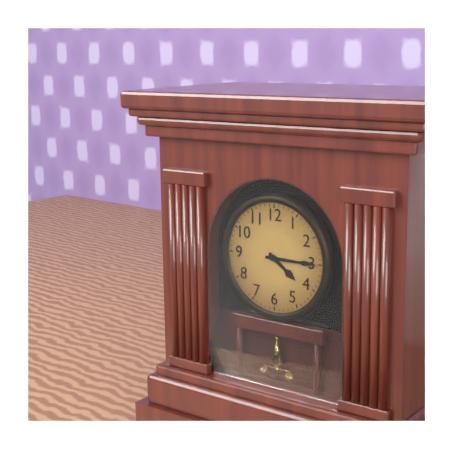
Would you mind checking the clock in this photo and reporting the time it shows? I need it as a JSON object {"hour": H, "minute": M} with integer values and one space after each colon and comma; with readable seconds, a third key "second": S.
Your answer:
{"hour": 4, "minute": 15}
